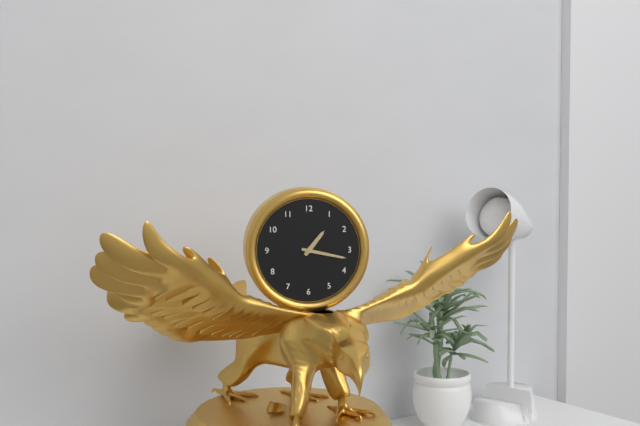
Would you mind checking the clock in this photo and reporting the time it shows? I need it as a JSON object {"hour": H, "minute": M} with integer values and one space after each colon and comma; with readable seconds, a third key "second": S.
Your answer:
{"hour": 1, "minute": 17}
